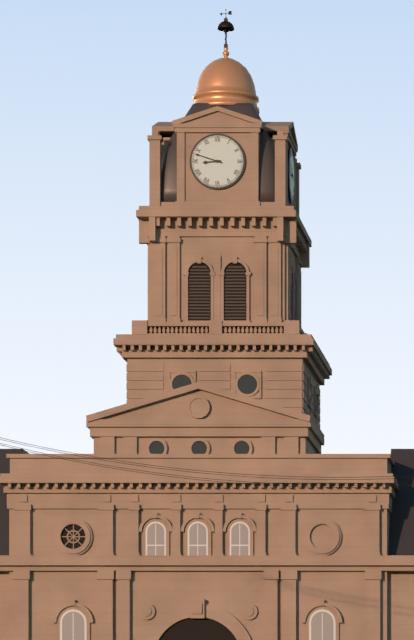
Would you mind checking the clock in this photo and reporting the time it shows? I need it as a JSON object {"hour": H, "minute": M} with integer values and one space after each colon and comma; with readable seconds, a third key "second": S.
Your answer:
{"hour": 8, "minute": 48}
